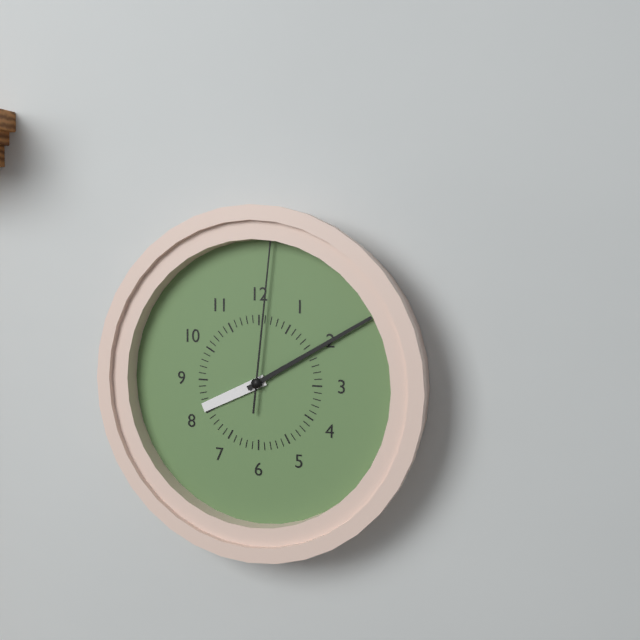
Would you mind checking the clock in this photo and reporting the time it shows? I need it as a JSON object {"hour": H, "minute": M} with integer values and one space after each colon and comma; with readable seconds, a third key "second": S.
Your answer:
{"hour": 8, "minute": 10, "second": 1}
